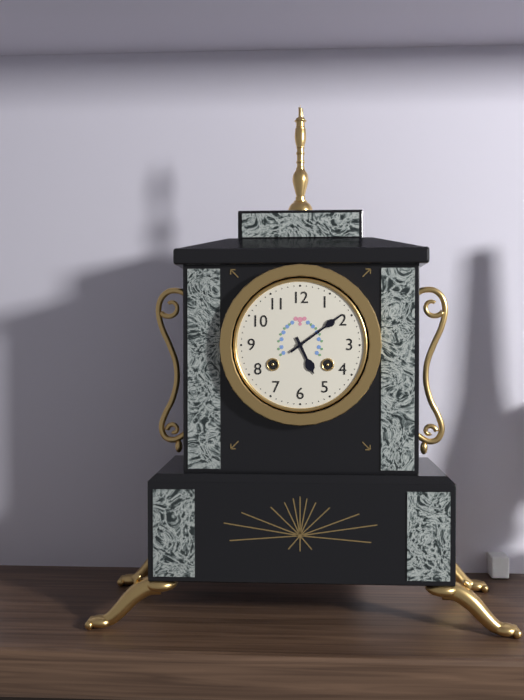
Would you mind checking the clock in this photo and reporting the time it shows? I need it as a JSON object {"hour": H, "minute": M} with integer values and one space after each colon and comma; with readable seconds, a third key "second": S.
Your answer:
{"hour": 5, "minute": 9}
